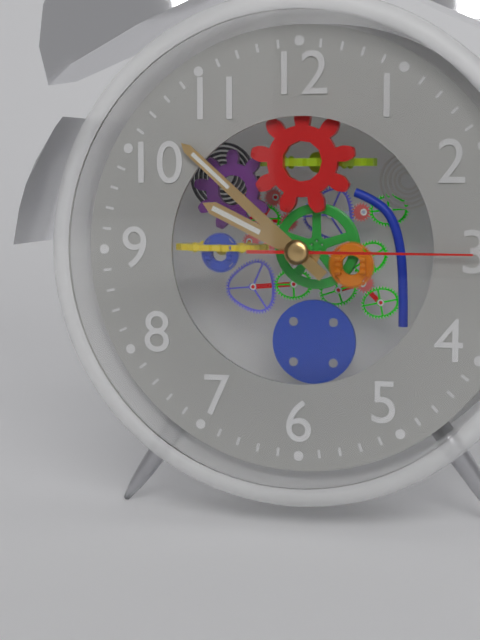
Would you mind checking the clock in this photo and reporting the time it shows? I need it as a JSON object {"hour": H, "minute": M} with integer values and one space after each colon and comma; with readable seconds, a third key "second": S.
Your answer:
{"hour": 9, "minute": 52, "second": 15}
